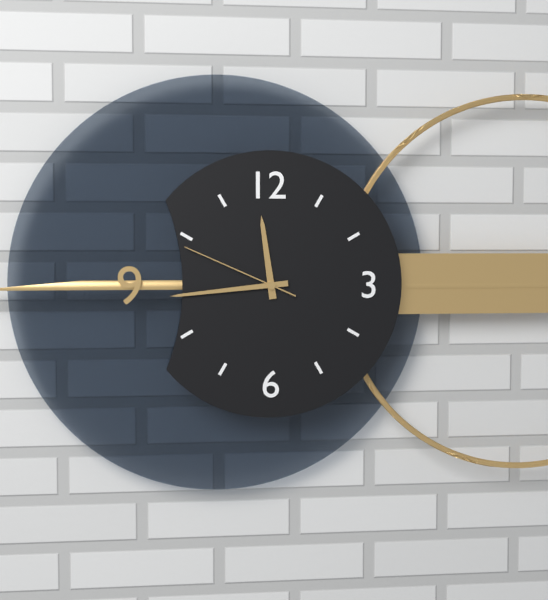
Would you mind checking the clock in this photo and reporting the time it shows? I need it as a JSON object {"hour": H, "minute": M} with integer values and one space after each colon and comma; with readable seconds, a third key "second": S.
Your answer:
{"hour": 11, "minute": 44, "second": 49}
